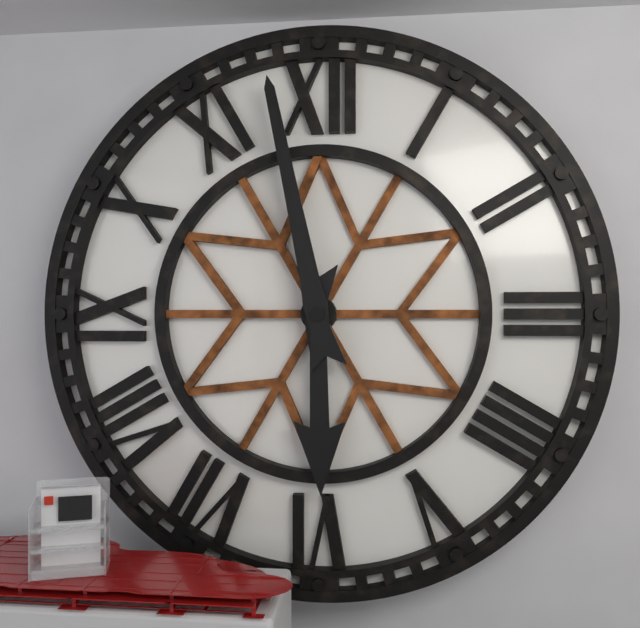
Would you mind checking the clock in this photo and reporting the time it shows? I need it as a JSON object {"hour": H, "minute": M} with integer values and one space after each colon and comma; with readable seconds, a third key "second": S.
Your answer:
{"hour": 5, "minute": 58}
